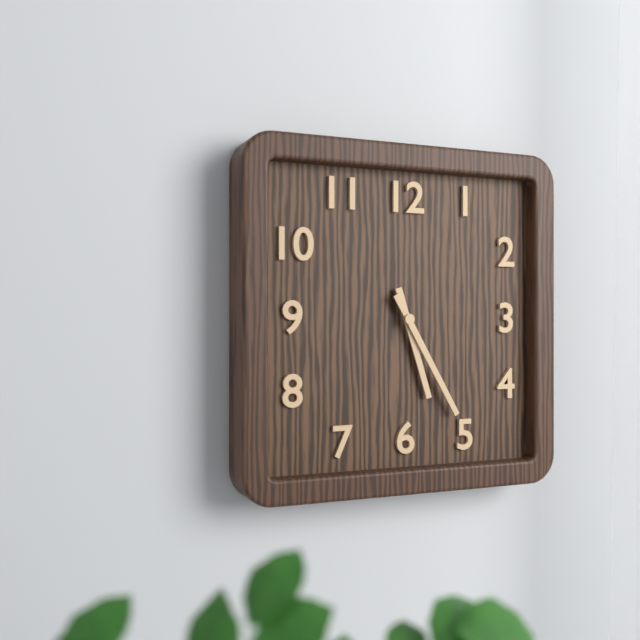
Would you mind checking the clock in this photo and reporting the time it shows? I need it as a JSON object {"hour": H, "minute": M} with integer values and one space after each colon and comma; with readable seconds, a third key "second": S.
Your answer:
{"hour": 5, "minute": 25}
